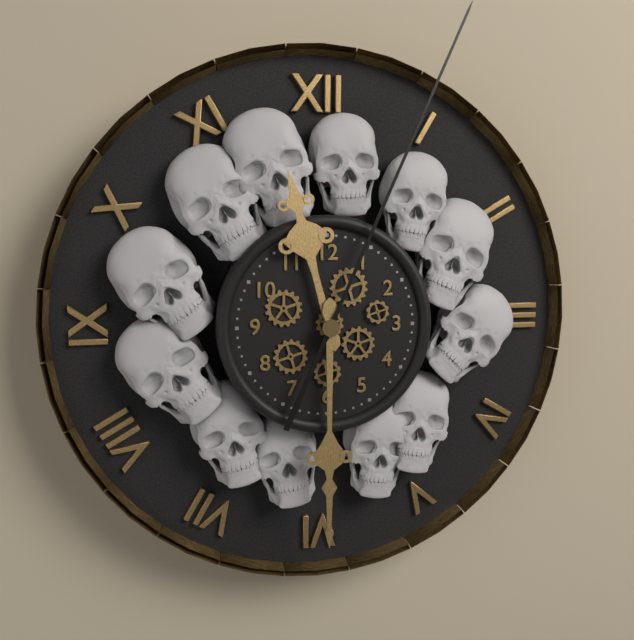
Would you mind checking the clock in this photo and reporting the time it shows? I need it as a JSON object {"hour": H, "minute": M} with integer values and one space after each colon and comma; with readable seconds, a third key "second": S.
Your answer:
{"hour": 11, "minute": 30, "second": 4}
